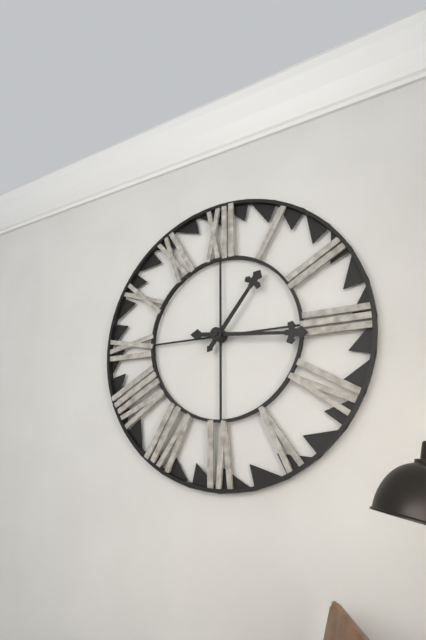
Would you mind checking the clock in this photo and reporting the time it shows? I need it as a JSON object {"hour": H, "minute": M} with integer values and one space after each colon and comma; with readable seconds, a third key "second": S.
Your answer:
{"hour": 1, "minute": 16}
